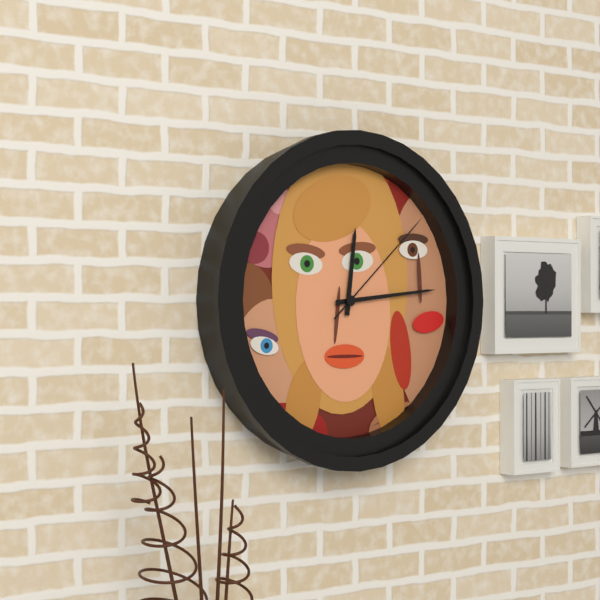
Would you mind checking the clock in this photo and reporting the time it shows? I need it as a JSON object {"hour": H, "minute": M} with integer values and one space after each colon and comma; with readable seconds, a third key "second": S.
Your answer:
{"hour": 12, "minute": 14, "second": 8}
